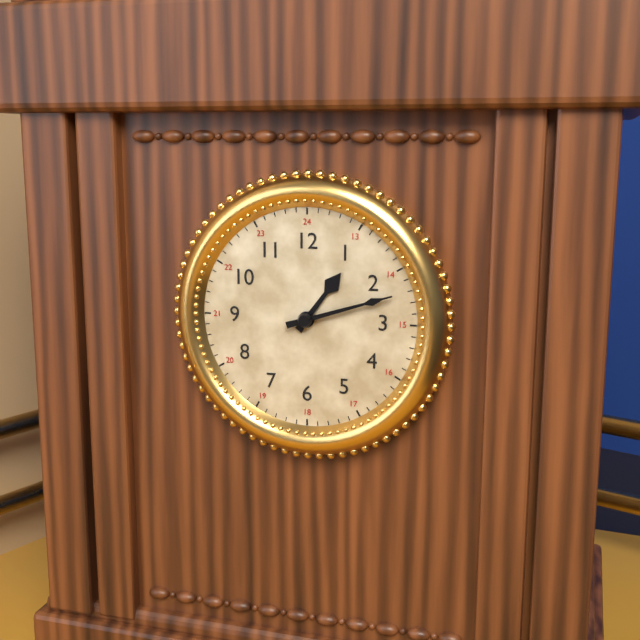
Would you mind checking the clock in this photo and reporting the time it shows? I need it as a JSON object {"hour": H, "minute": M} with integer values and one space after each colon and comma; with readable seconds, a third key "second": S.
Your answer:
{"hour": 1, "minute": 12}
